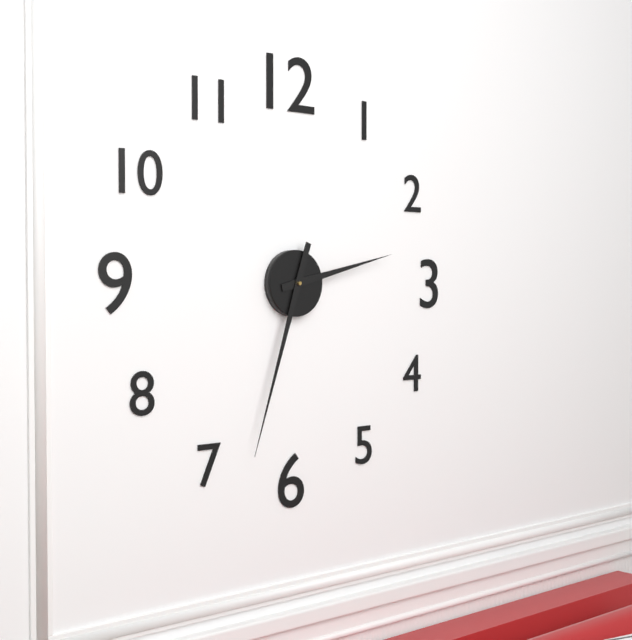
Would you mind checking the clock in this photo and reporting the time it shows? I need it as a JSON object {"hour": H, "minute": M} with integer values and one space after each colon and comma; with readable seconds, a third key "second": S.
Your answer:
{"hour": 2, "minute": 33}
